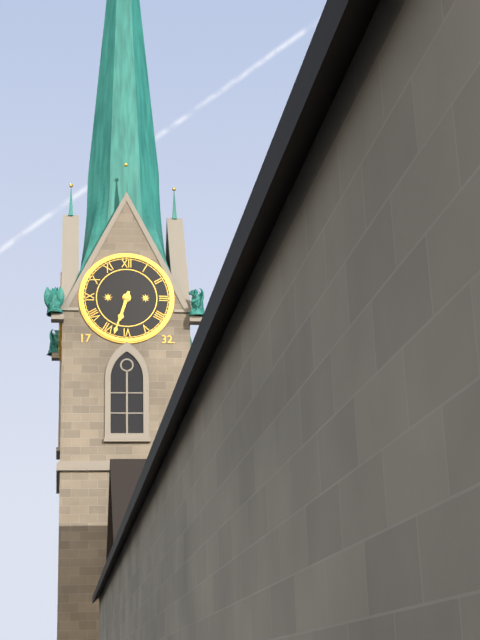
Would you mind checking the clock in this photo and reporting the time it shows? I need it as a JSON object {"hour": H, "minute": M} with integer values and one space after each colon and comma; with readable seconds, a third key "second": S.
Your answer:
{"hour": 6, "minute": 33}
